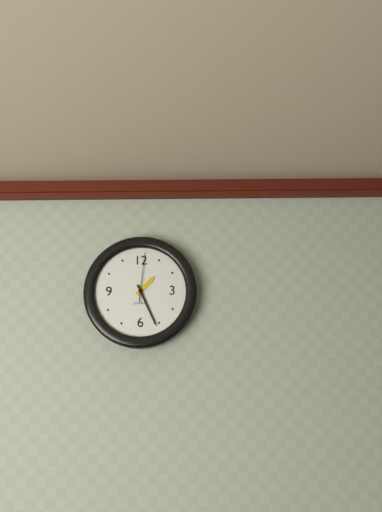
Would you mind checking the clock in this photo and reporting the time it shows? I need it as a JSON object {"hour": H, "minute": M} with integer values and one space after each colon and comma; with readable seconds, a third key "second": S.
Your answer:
{"hour": 1, "minute": 26}
